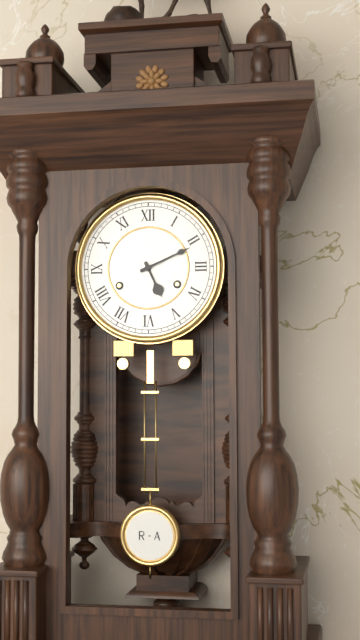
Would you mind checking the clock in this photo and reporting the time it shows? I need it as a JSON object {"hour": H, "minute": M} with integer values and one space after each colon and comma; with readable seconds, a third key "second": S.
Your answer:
{"hour": 5, "minute": 11}
